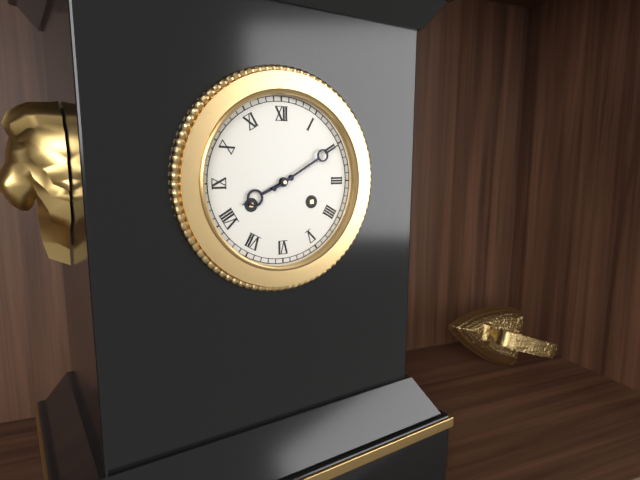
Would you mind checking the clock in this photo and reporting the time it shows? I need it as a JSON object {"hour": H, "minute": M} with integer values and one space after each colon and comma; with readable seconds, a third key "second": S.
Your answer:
{"hour": 8, "minute": 10}
